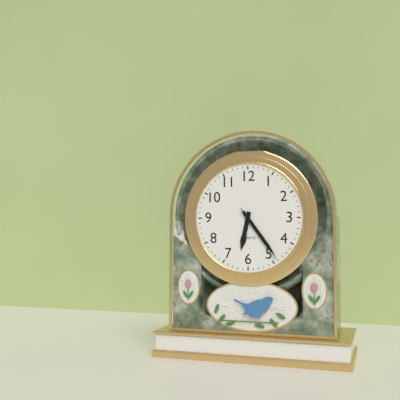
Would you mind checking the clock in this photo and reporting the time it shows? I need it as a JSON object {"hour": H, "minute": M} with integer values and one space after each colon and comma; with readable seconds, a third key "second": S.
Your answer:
{"hour": 6, "minute": 24, "second": 24}
